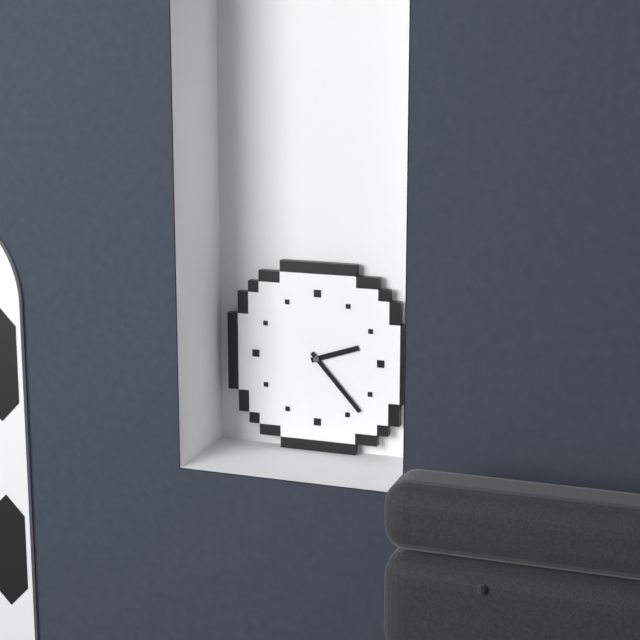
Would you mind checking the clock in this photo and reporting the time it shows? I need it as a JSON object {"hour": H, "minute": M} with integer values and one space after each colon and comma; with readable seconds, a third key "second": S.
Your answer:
{"hour": 2, "minute": 23}
